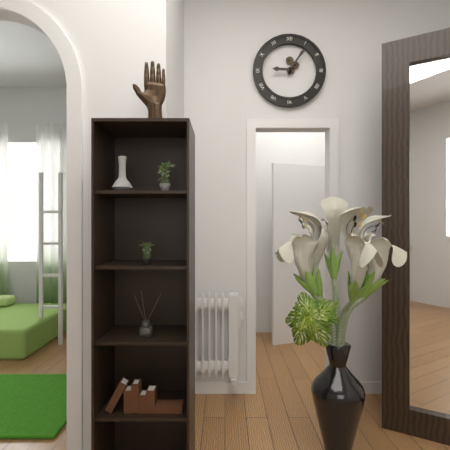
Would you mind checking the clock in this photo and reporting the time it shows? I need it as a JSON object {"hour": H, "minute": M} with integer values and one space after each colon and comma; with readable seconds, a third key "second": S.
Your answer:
{"hour": 9, "minute": 6}
